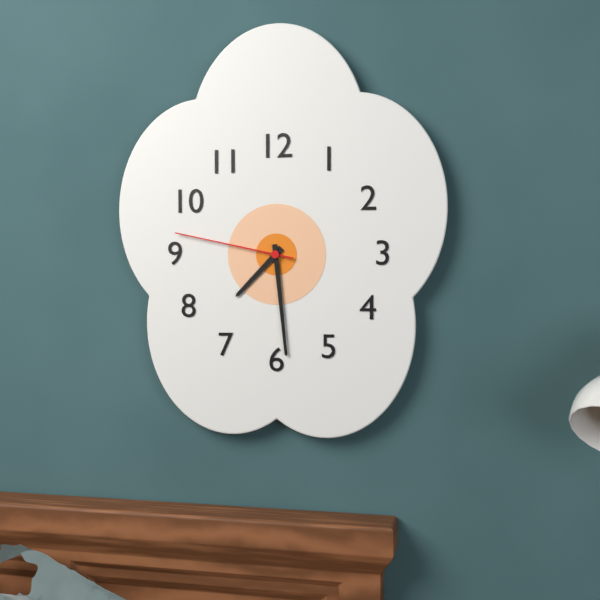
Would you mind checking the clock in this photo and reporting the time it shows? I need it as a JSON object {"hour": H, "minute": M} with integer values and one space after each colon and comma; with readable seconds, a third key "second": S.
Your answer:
{"hour": 7, "minute": 29, "second": 47}
